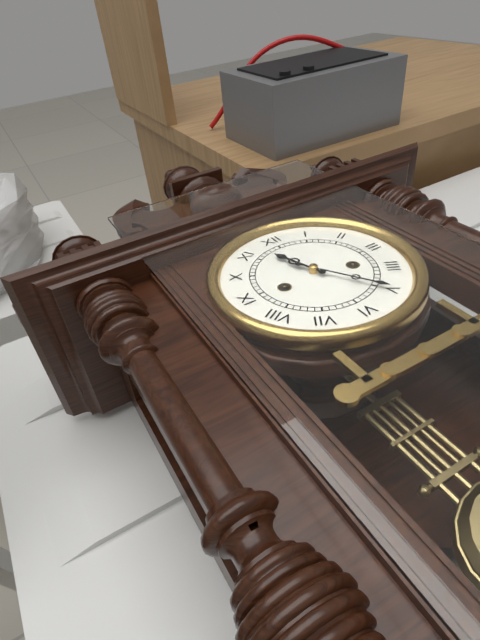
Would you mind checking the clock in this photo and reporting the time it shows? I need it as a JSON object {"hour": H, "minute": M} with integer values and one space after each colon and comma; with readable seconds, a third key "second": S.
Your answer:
{"hour": 11, "minute": 25}
